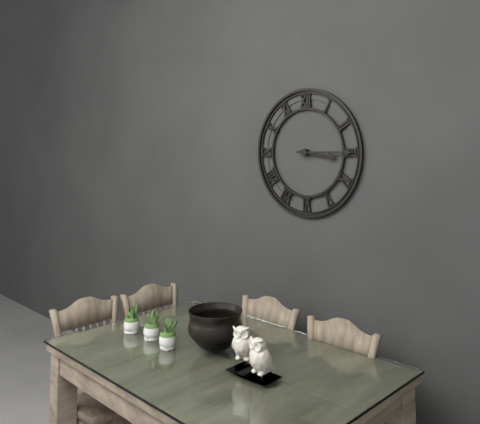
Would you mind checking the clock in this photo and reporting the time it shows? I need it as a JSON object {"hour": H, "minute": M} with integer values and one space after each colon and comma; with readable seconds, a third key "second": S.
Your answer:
{"hour": 3, "minute": 15}
